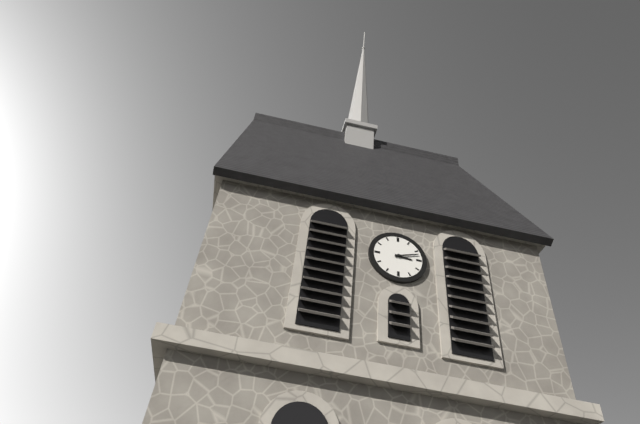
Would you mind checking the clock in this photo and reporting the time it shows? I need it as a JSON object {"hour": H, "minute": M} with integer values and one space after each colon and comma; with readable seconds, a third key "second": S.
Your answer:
{"hour": 3, "minute": 12}
